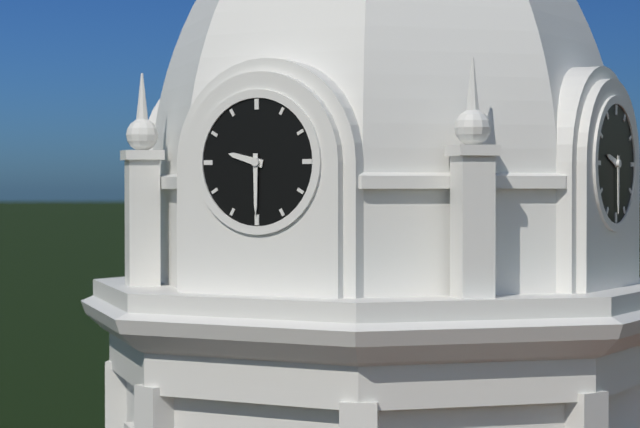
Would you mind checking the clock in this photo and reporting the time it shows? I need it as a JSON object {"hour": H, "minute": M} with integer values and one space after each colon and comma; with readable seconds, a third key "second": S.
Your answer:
{"hour": 9, "minute": 30}
